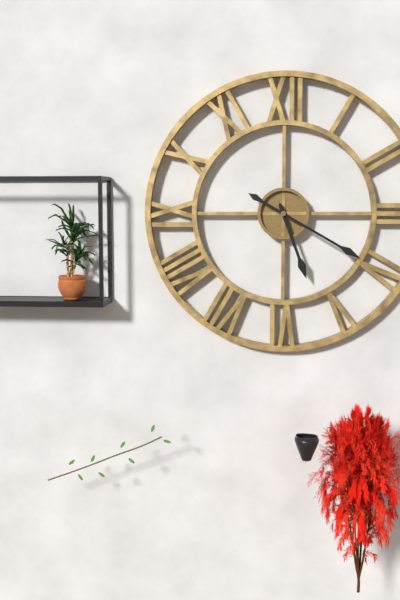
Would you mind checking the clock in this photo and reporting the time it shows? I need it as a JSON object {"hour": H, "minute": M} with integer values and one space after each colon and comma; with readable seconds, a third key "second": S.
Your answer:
{"hour": 5, "minute": 20}
